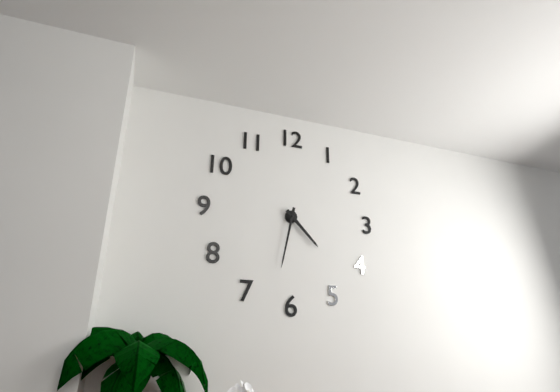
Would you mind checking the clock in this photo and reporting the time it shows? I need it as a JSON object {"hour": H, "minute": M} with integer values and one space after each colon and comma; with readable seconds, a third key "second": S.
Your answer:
{"hour": 4, "minute": 32}
